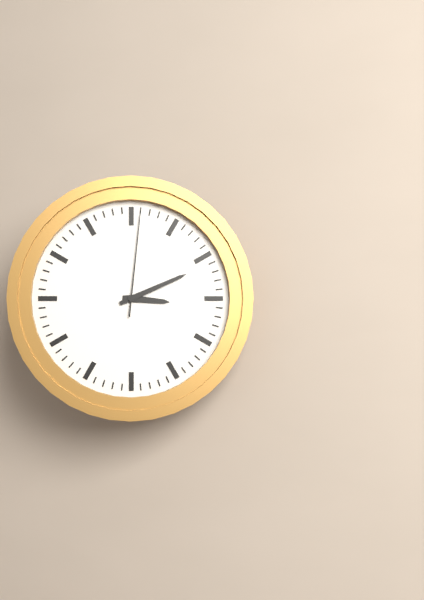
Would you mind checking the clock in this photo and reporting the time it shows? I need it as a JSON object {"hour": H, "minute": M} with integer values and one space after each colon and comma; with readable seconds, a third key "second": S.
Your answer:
{"hour": 3, "minute": 11, "second": 1}
